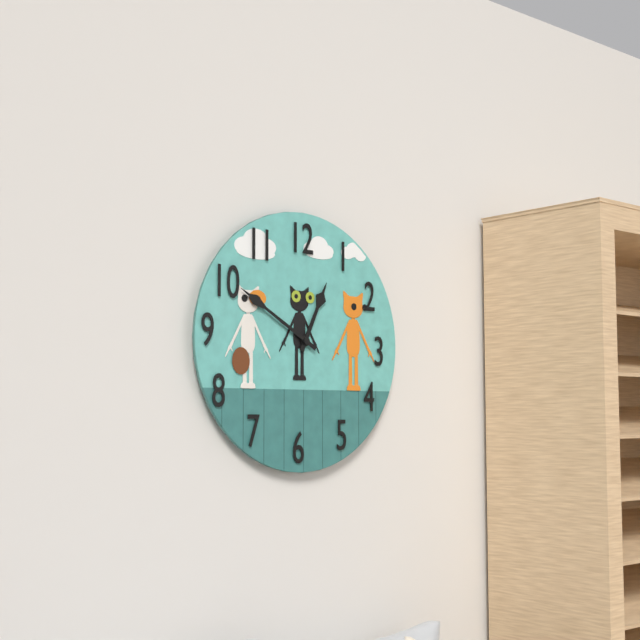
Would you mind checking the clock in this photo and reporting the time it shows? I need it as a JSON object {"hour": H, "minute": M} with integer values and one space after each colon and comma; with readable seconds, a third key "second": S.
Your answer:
{"hour": 12, "minute": 50}
